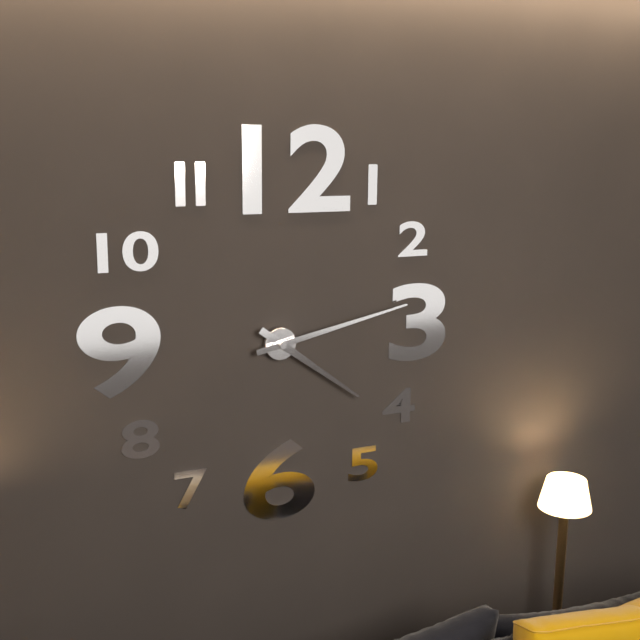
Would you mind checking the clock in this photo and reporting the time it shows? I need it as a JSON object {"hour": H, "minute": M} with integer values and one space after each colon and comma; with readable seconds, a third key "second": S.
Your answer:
{"hour": 4, "minute": 13}
